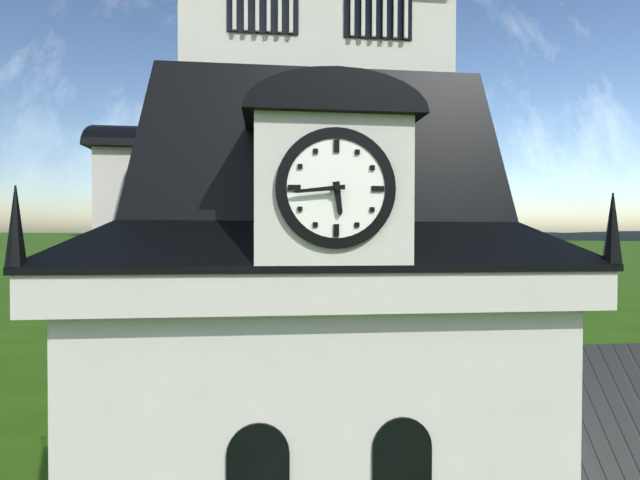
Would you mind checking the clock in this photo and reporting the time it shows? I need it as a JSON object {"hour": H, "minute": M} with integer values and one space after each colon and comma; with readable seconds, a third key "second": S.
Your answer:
{"hour": 5, "minute": 44}
